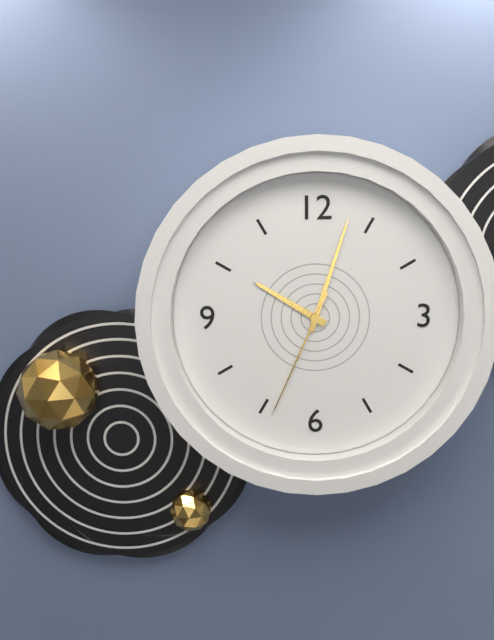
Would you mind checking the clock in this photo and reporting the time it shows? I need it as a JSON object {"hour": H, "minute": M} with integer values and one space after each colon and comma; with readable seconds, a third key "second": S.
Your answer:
{"hour": 10, "minute": 3, "second": 34}
